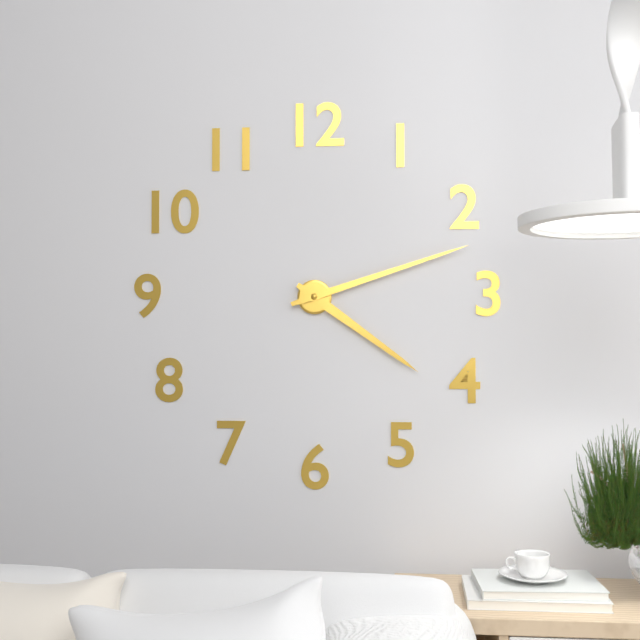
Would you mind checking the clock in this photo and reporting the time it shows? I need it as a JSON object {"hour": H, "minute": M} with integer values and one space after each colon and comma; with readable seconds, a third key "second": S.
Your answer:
{"hour": 4, "minute": 12}
